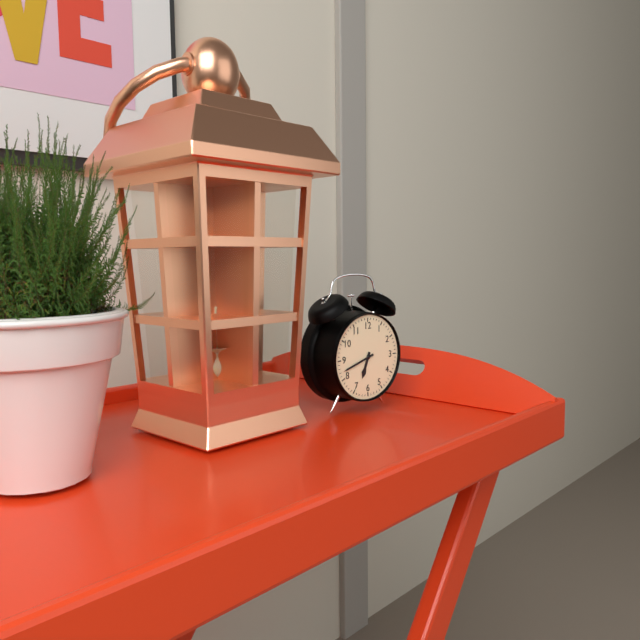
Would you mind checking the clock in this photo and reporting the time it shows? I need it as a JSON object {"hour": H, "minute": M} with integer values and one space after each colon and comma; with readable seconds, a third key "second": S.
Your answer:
{"hour": 6, "minute": 42}
